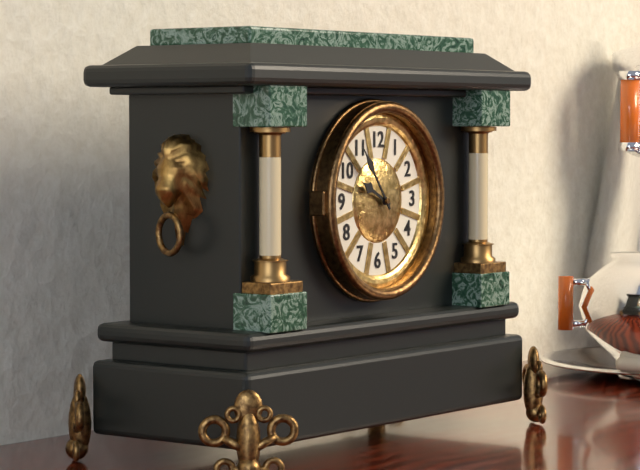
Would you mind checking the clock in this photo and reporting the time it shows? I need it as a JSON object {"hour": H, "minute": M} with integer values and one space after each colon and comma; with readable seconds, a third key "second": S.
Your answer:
{"hour": 9, "minute": 54}
